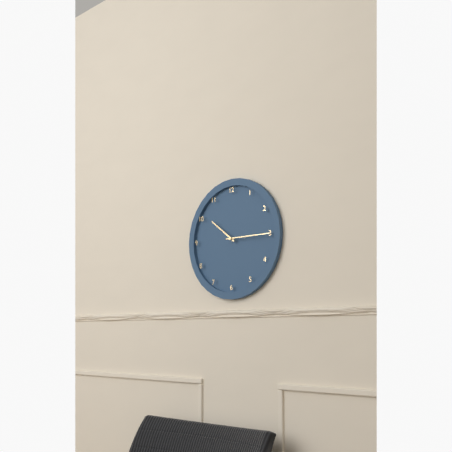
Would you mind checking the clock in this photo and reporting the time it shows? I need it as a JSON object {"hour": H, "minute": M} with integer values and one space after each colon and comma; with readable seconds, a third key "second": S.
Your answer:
{"hour": 10, "minute": 15}
